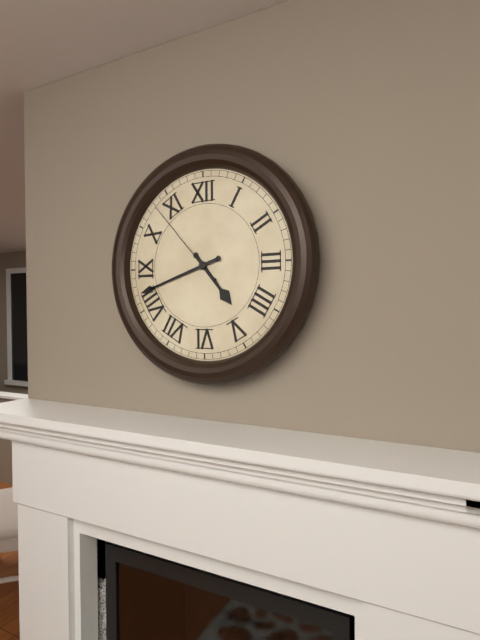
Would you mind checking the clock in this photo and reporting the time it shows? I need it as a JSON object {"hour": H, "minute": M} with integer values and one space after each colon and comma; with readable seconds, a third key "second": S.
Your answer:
{"hour": 4, "minute": 42, "second": 53}
